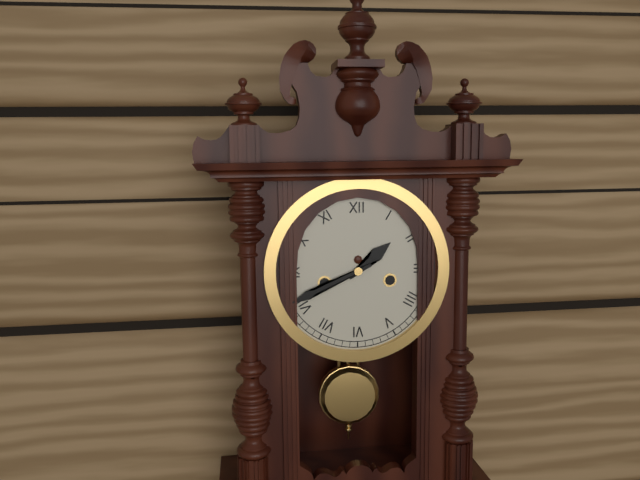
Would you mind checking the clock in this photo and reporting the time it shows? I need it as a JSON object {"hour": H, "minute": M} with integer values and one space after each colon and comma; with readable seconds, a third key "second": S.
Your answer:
{"hour": 1, "minute": 41}
